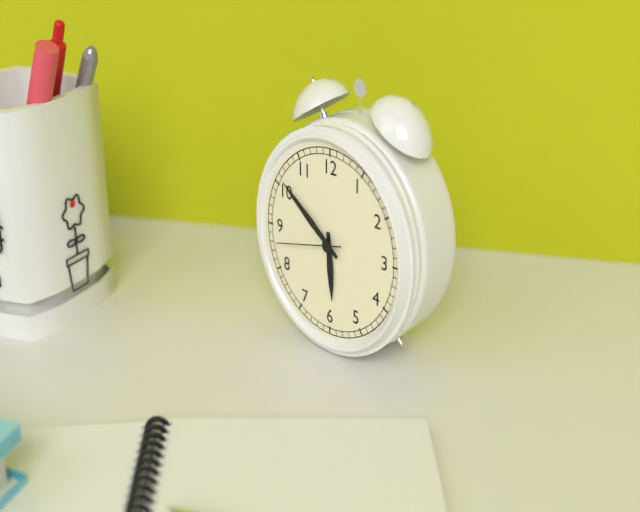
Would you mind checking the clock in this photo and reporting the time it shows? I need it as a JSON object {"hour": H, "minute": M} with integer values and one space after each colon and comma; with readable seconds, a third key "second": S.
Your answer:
{"hour": 5, "minute": 51, "second": 43}
